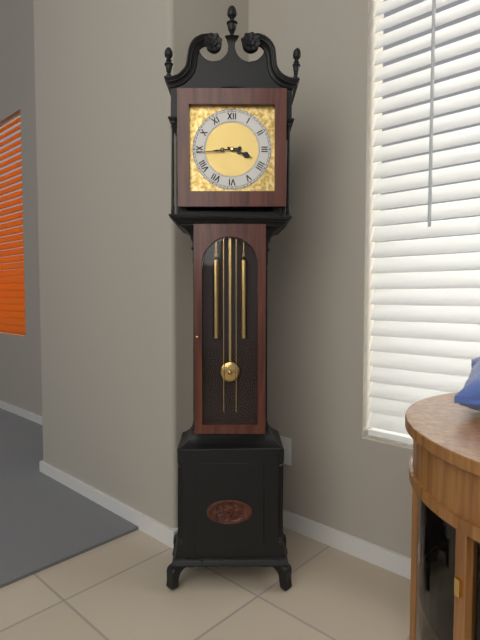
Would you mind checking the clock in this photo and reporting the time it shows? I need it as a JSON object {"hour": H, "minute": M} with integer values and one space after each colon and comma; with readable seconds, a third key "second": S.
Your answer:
{"hour": 3, "minute": 44}
